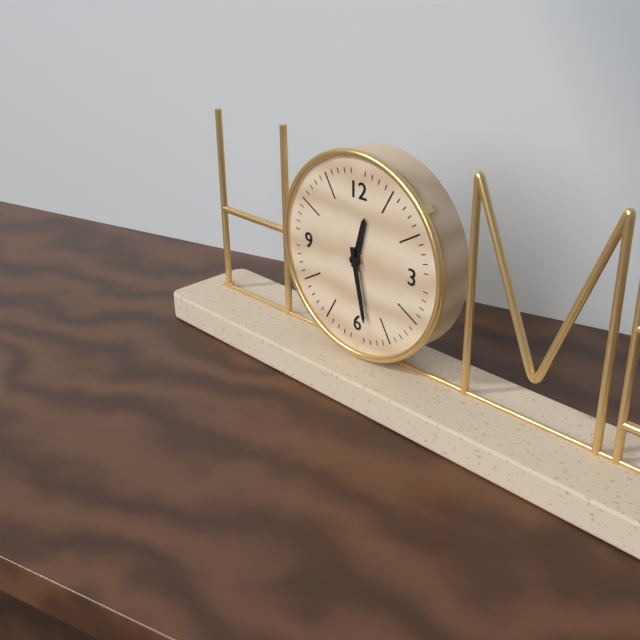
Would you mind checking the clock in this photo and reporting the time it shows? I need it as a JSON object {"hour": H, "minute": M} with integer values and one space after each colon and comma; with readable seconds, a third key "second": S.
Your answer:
{"hour": 12, "minute": 28}
